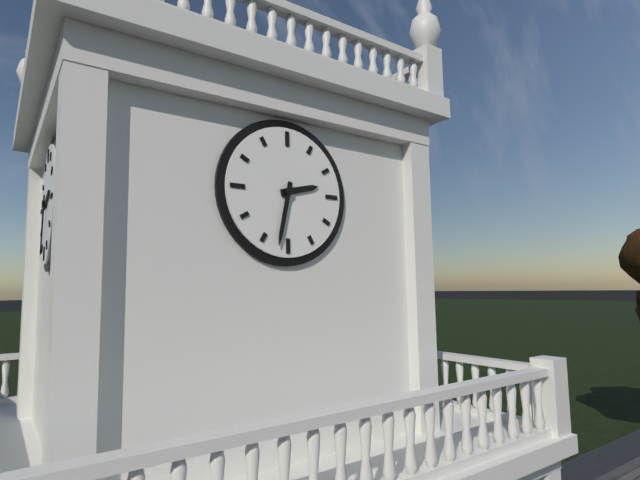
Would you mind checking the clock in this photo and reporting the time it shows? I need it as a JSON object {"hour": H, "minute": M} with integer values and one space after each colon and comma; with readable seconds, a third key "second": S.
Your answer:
{"hour": 2, "minute": 32}
